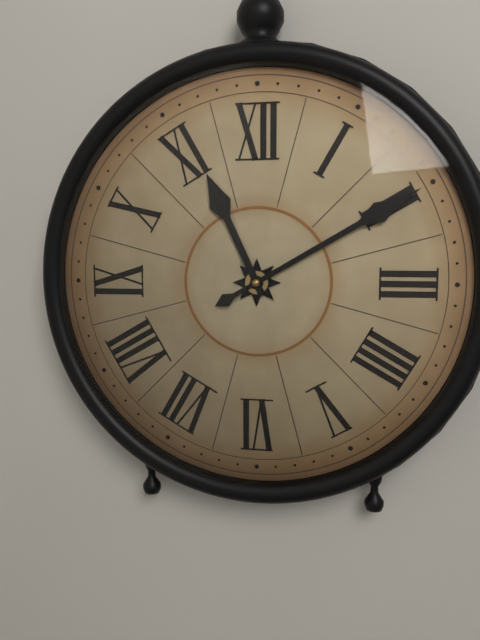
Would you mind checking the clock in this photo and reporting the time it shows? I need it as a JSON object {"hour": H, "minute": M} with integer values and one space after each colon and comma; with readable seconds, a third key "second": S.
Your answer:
{"hour": 11, "minute": 10}
